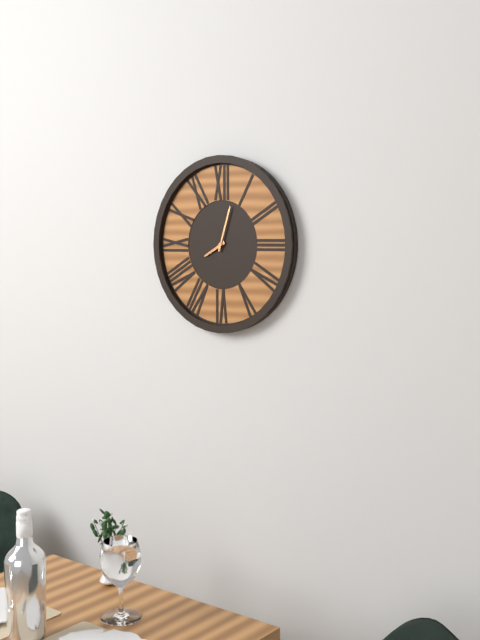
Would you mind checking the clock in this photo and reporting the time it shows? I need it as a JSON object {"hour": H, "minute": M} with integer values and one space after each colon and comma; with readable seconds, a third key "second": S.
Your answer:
{"hour": 8, "minute": 3}
